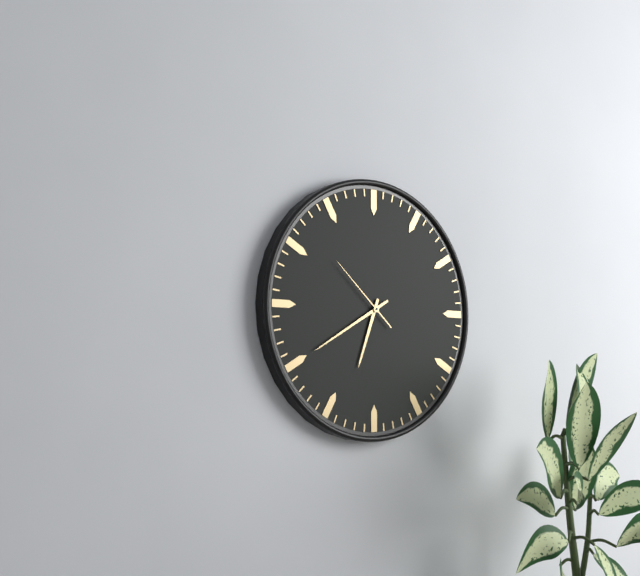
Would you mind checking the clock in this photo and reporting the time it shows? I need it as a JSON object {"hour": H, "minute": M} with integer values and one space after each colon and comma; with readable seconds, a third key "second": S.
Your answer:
{"hour": 6, "minute": 40, "second": 52}
